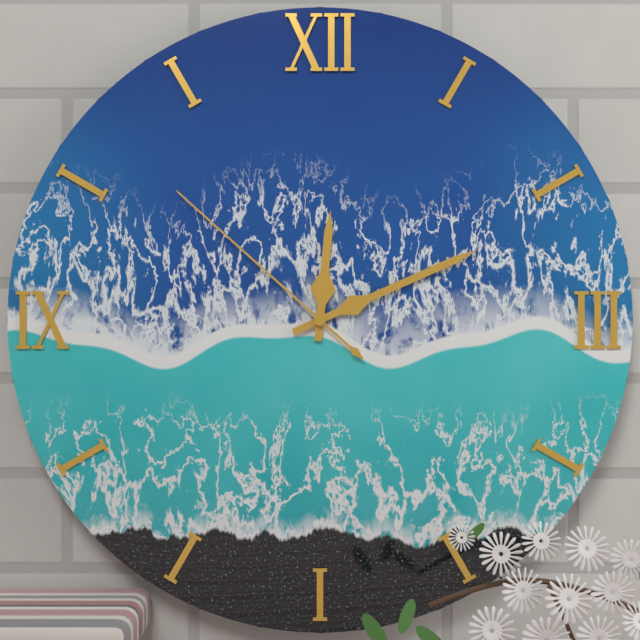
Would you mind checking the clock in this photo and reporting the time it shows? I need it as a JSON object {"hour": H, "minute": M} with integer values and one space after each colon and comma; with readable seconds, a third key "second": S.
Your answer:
{"hour": 12, "minute": 11, "second": 52}
